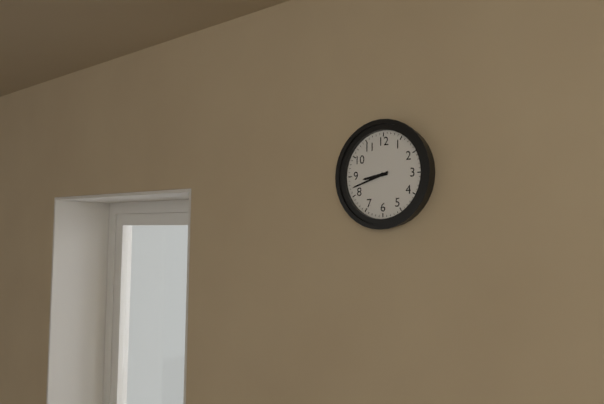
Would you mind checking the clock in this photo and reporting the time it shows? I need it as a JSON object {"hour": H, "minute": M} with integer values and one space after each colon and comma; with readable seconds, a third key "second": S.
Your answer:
{"hour": 8, "minute": 42}
